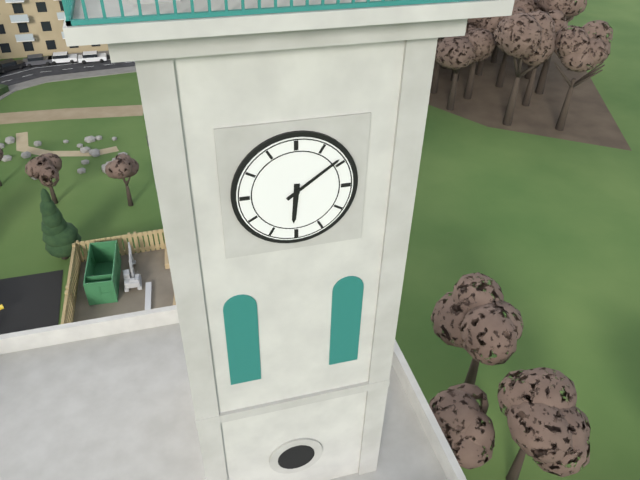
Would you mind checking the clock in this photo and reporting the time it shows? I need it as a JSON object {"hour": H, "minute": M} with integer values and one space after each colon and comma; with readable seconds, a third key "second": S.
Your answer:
{"hour": 6, "minute": 9}
